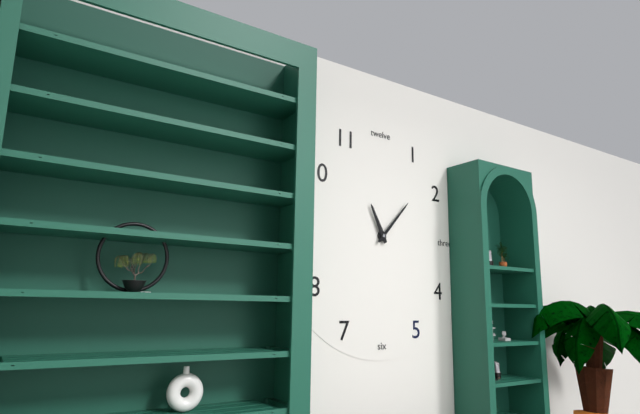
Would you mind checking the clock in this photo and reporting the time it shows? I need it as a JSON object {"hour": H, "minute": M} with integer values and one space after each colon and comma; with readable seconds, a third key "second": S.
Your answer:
{"hour": 11, "minute": 7}
